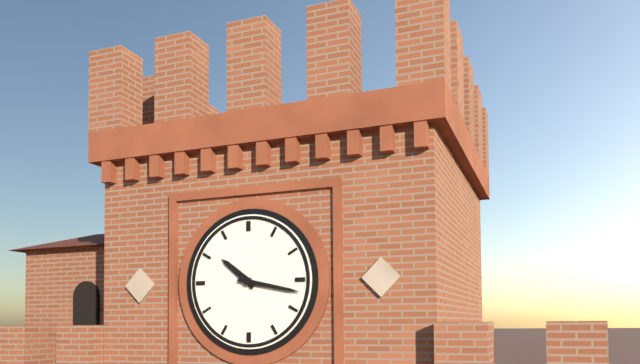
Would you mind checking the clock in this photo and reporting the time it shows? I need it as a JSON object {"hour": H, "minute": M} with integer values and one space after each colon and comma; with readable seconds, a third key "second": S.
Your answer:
{"hour": 10, "minute": 17}
